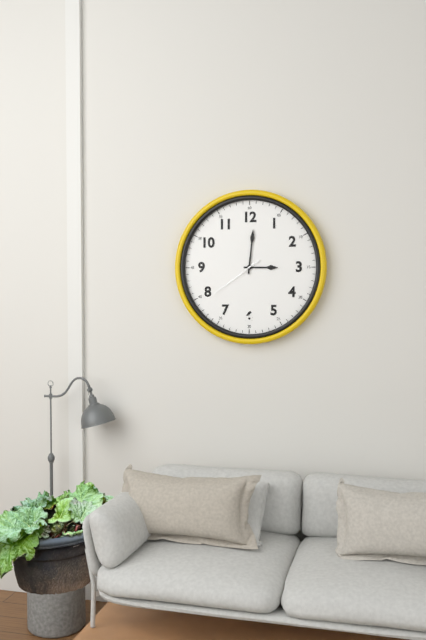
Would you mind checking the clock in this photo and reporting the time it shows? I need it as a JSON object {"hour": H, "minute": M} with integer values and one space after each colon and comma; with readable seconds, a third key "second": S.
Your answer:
{"hour": 3, "minute": 1, "second": 39}
